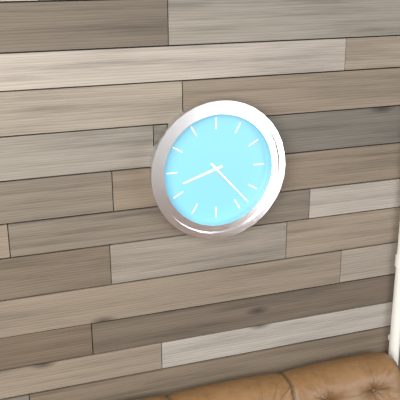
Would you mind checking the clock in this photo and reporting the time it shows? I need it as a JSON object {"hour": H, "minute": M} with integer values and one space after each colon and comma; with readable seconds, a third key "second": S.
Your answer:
{"hour": 8, "minute": 23}
